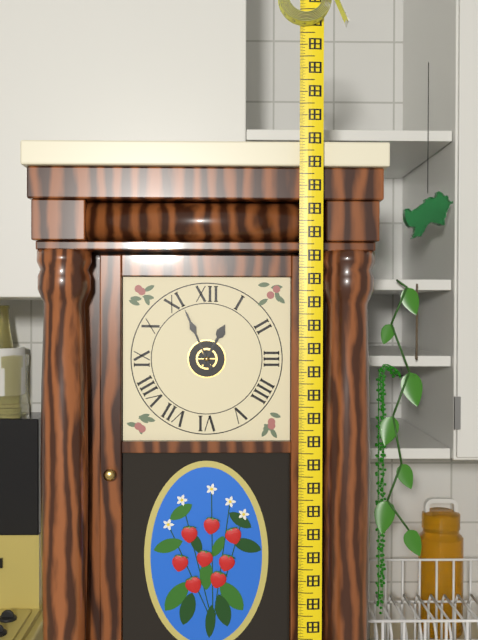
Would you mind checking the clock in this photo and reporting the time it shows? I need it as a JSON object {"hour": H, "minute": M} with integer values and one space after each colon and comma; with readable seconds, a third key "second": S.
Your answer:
{"hour": 12, "minute": 56}
